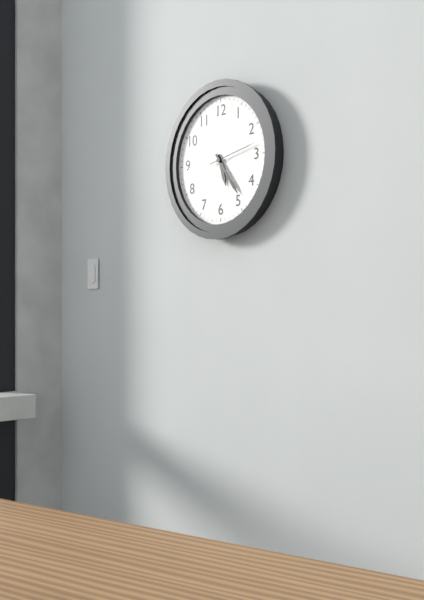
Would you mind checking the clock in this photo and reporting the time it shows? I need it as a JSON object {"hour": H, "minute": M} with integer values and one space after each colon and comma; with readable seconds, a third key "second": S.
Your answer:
{"hour": 5, "minute": 24}
